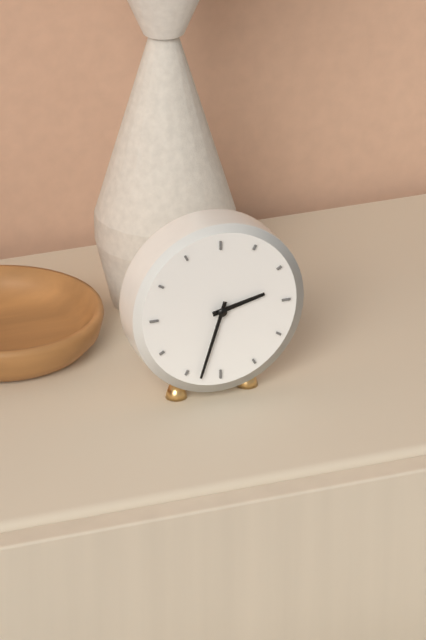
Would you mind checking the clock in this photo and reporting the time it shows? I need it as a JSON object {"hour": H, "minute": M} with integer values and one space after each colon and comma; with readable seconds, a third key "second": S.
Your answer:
{"hour": 2, "minute": 33}
